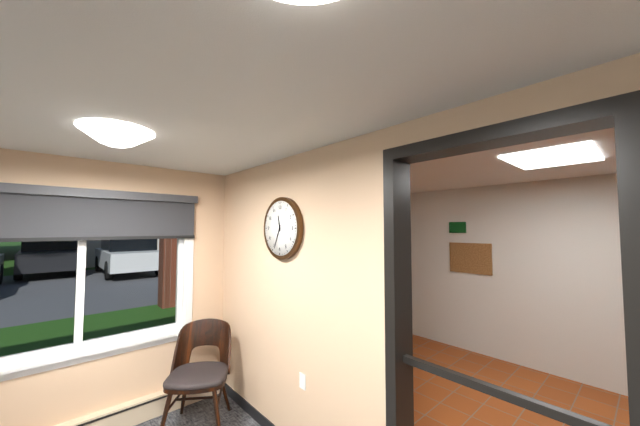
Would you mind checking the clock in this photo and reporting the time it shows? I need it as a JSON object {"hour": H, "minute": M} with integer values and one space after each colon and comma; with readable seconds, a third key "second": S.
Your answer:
{"hour": 11, "minute": 34}
